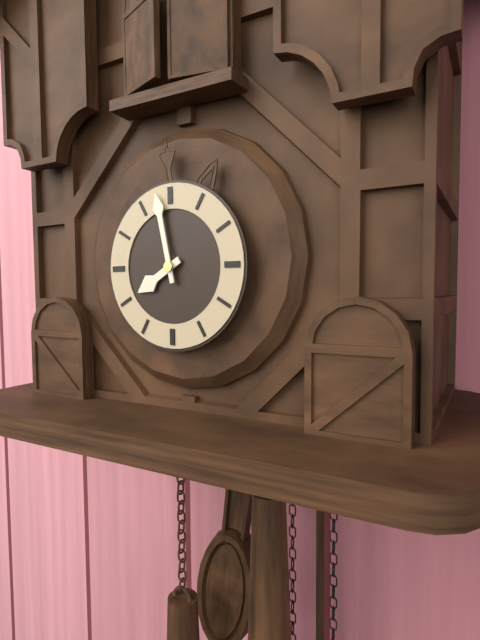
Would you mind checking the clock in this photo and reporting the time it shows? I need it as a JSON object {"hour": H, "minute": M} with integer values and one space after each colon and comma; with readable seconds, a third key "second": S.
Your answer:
{"hour": 7, "minute": 58}
